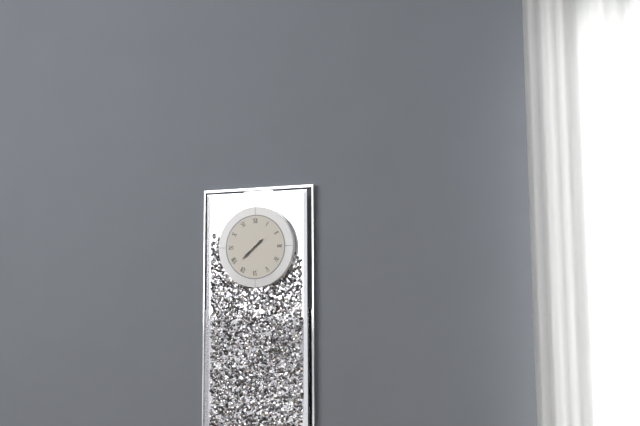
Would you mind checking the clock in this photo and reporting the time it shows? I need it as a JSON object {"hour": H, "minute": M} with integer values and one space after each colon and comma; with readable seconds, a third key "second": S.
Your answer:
{"hour": 1, "minute": 38}
